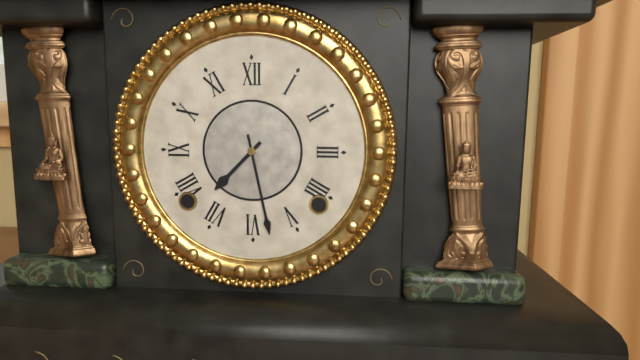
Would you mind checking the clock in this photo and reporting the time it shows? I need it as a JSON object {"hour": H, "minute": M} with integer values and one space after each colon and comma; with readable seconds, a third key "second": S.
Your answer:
{"hour": 7, "minute": 28}
